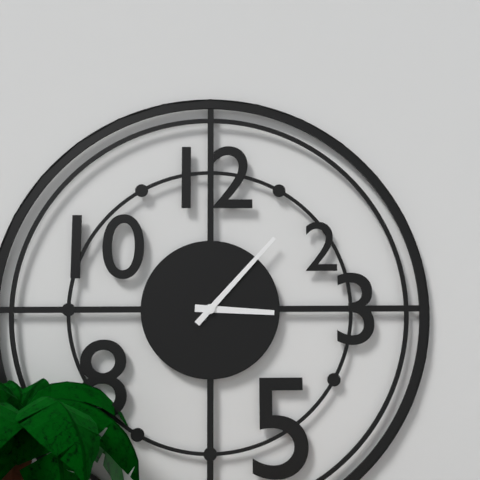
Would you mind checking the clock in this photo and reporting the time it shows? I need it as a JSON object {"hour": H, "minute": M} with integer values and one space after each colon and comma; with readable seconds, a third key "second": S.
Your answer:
{"hour": 3, "minute": 7}
